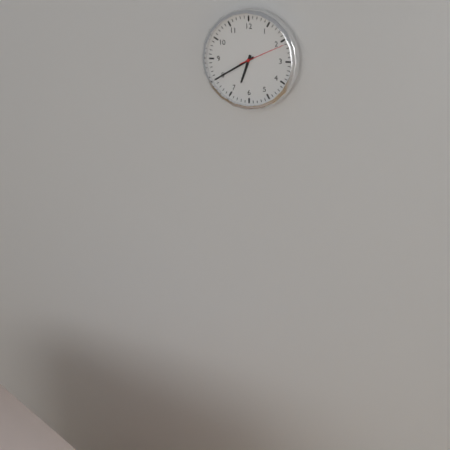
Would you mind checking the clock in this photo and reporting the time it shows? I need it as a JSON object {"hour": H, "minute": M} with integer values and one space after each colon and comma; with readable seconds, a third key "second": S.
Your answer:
{"hour": 6, "minute": 40}
